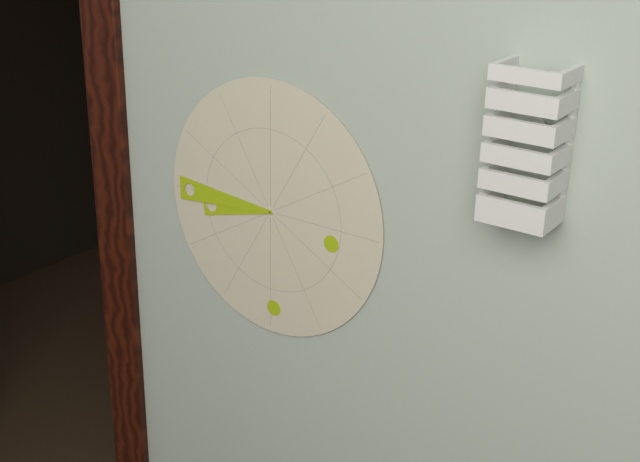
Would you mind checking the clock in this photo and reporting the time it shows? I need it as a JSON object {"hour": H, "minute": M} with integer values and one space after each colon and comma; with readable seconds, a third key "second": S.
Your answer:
{"hour": 8, "minute": 45}
